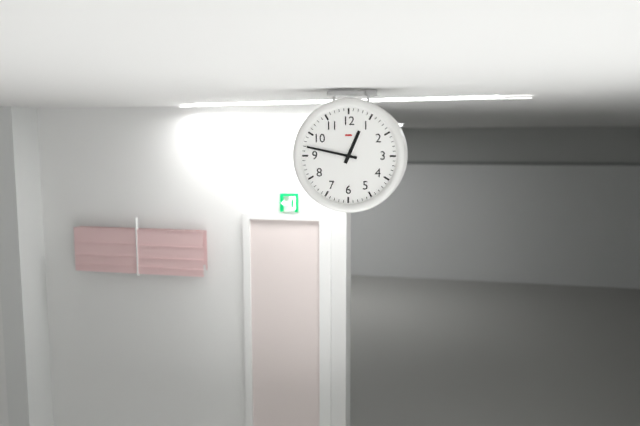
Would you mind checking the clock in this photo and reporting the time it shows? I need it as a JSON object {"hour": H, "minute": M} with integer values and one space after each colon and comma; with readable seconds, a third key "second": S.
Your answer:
{"hour": 12, "minute": 47}
